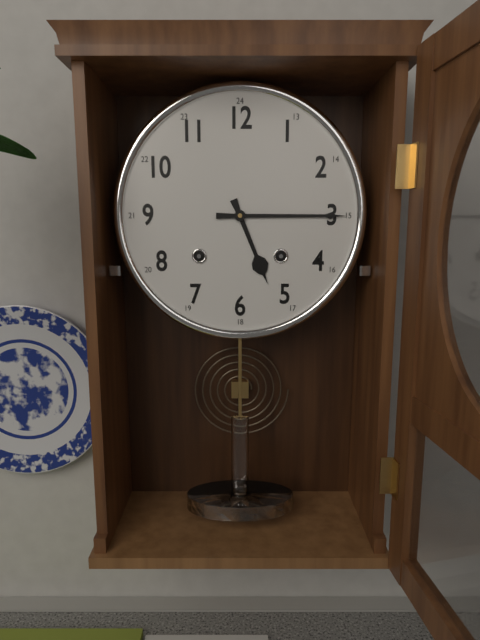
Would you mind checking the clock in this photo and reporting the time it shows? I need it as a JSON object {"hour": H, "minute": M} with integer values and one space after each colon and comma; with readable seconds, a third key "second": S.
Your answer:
{"hour": 5, "minute": 15}
